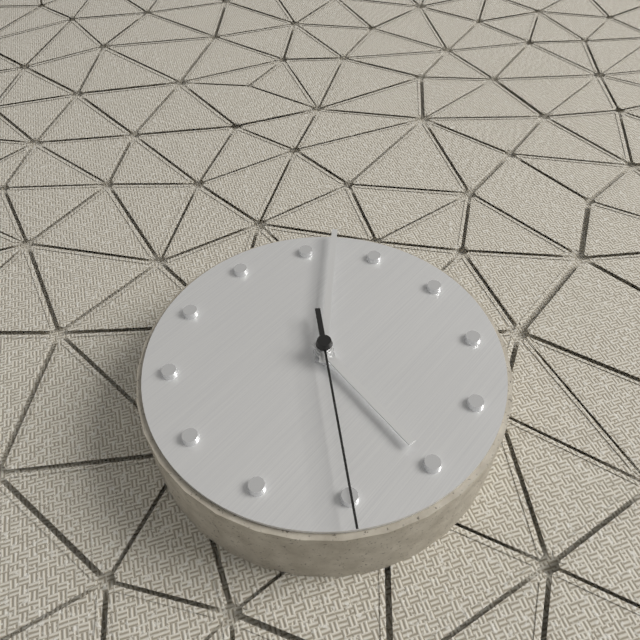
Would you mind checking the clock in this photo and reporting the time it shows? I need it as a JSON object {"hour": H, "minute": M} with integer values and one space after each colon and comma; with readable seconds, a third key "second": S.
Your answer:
{"hour": 5, "minute": 2, "second": 30}
